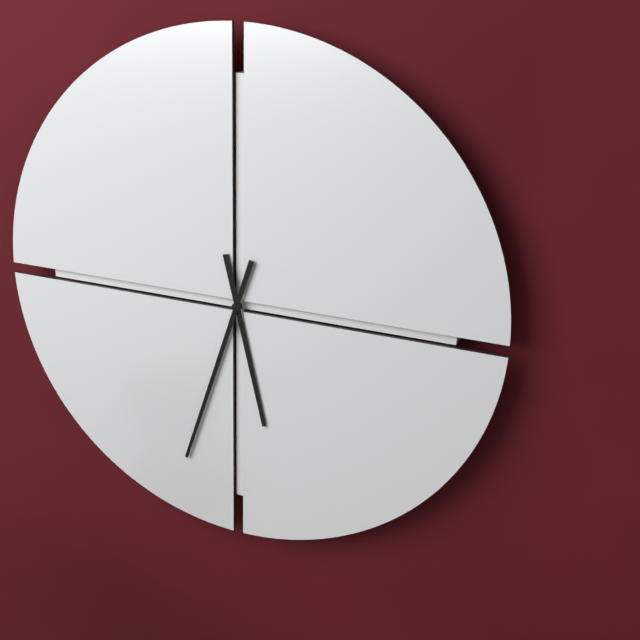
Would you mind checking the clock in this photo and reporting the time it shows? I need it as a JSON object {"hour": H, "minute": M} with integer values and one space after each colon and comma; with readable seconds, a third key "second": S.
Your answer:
{"hour": 5, "minute": 33}
